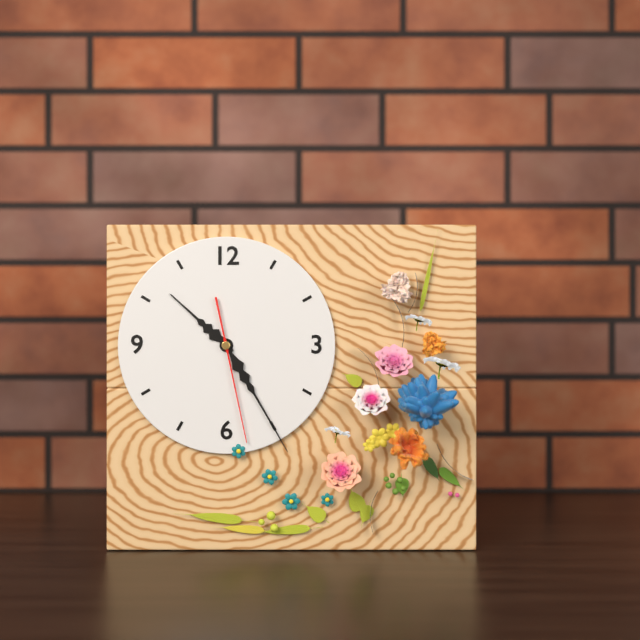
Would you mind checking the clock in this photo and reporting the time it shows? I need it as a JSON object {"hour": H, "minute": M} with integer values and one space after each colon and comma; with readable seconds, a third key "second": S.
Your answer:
{"hour": 10, "minute": 25, "second": 28}
